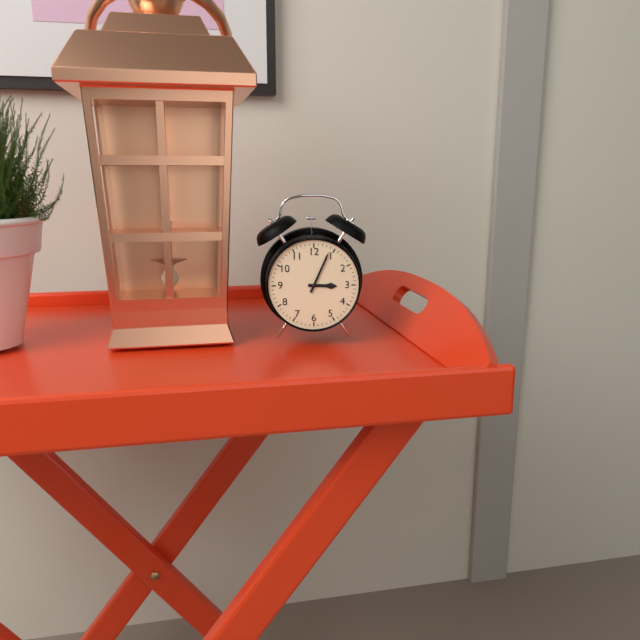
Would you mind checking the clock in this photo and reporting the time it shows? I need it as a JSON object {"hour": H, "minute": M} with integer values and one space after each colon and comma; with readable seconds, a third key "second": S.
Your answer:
{"hour": 3, "minute": 4}
